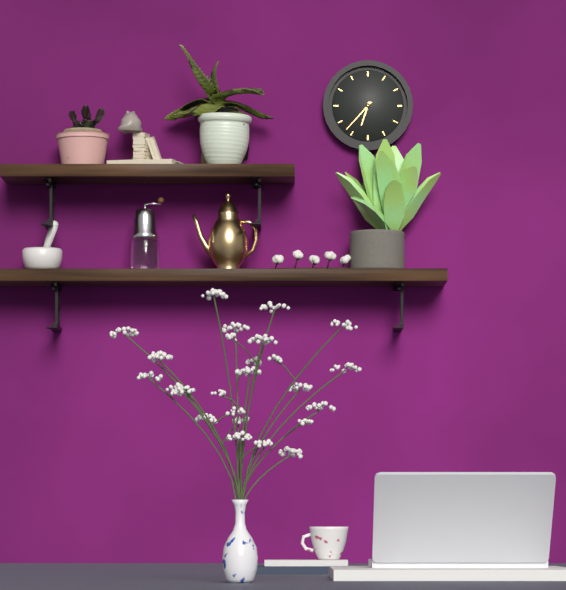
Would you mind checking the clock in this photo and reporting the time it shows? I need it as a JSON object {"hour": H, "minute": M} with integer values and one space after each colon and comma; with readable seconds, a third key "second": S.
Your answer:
{"hour": 6, "minute": 37}
